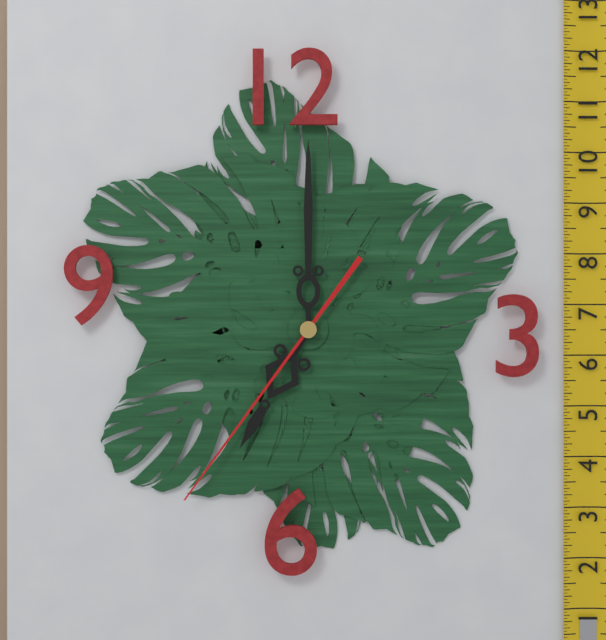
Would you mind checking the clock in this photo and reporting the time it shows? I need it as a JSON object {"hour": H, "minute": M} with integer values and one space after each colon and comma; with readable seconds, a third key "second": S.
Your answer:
{"hour": 7, "minute": 0, "second": 36}
